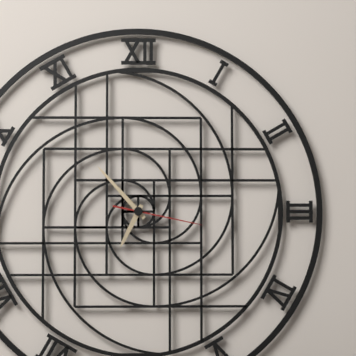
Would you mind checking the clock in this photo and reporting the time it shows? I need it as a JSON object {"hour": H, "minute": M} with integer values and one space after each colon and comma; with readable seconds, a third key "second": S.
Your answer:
{"hour": 6, "minute": 53, "second": 17}
